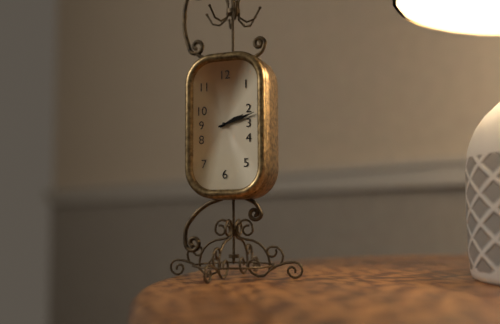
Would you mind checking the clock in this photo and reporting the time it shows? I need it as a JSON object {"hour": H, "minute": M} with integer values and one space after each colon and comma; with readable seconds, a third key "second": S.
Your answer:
{"hour": 2, "minute": 12}
